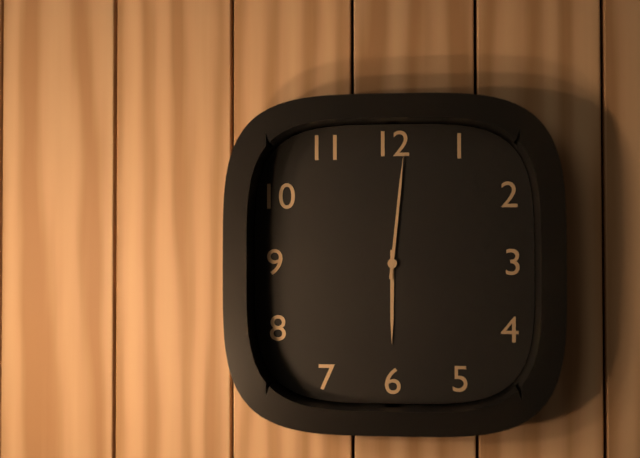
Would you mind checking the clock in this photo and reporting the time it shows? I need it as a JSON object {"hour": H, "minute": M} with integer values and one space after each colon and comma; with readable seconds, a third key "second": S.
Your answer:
{"hour": 6, "minute": 1}
